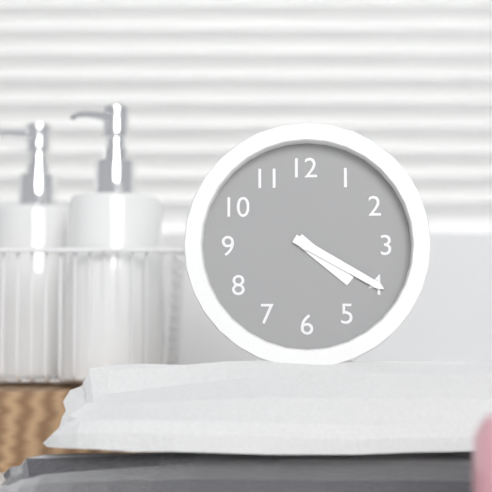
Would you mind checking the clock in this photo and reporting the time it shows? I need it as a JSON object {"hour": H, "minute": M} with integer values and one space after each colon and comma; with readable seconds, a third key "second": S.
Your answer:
{"hour": 4, "minute": 20}
